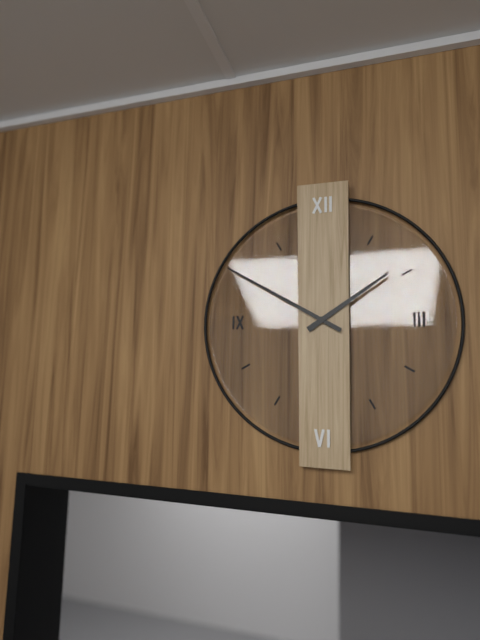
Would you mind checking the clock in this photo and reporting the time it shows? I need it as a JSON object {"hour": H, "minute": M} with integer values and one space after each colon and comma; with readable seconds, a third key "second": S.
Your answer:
{"hour": 1, "minute": 50}
